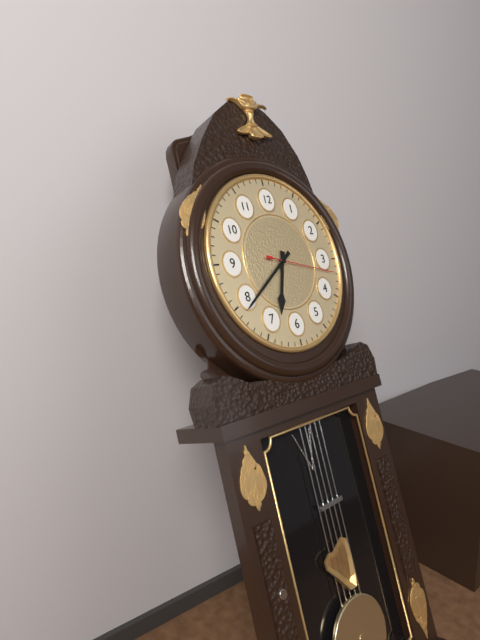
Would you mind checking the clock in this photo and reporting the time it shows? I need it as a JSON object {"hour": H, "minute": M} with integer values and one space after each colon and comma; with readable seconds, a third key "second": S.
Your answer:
{"hour": 6, "minute": 39, "second": 17}
